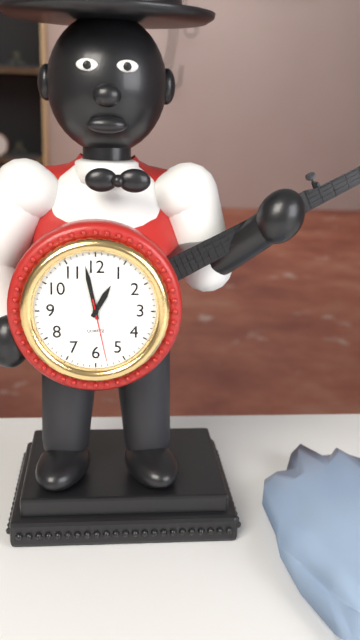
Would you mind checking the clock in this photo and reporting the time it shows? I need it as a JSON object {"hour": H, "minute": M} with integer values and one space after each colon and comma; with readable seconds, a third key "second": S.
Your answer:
{"hour": 12, "minute": 58, "second": 28}
